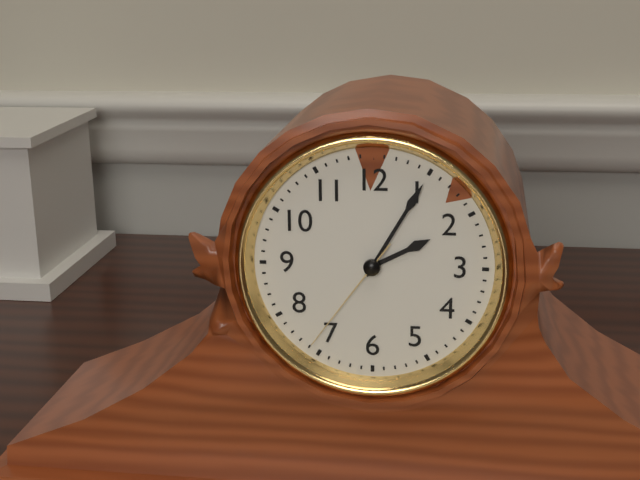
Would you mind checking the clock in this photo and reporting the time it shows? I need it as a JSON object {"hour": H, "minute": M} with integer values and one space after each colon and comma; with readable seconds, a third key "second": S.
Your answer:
{"hour": 2, "minute": 5, "second": 36}
